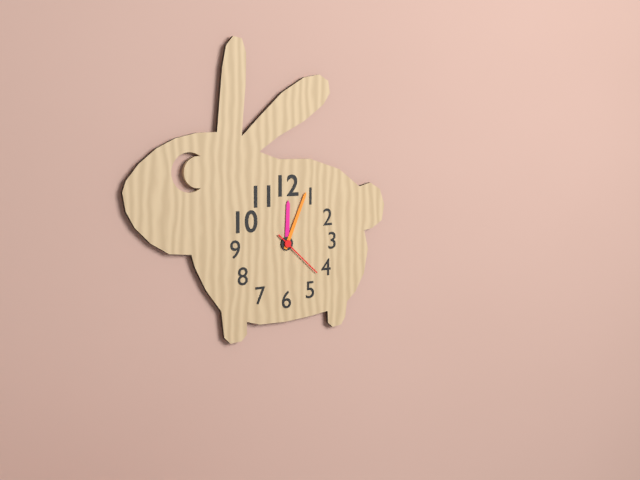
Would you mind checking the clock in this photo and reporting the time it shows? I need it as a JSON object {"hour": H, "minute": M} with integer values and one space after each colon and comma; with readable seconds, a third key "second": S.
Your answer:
{"hour": 12, "minute": 4, "second": 22}
